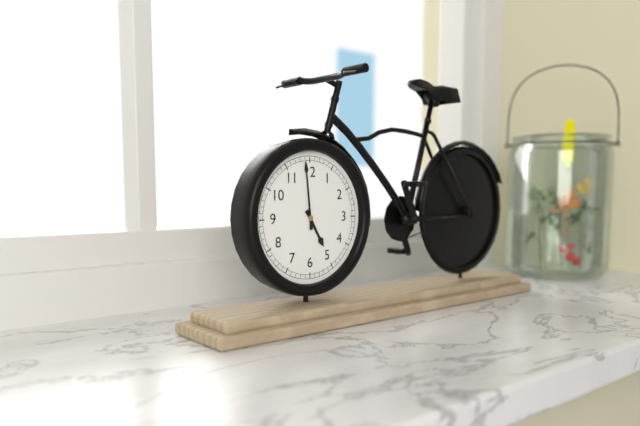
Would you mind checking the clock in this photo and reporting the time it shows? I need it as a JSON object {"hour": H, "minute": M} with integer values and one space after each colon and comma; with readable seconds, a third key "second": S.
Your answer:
{"hour": 4, "minute": 59}
